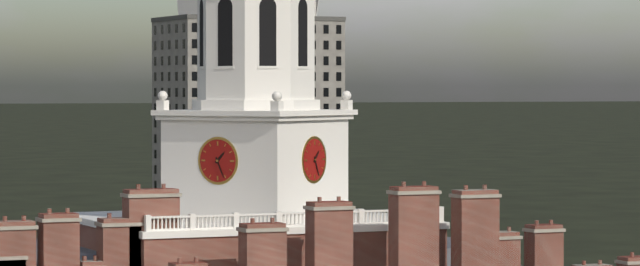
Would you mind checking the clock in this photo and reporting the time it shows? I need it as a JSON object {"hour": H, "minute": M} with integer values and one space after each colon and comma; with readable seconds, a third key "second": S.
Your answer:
{"hour": 1, "minute": 26}
